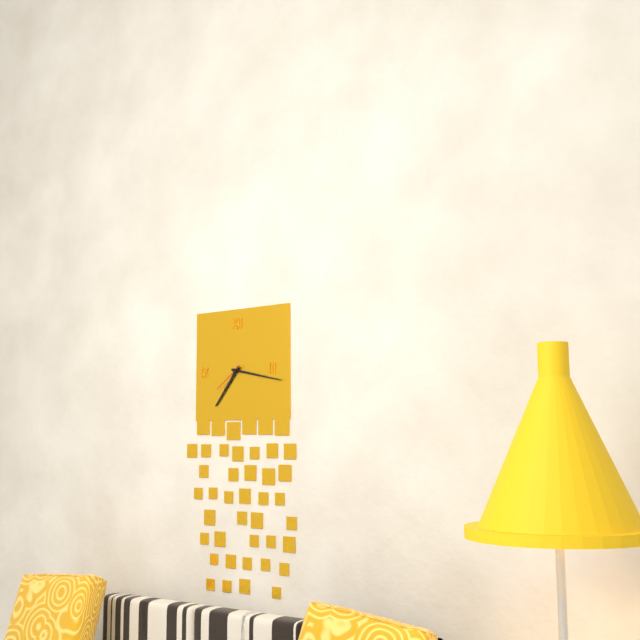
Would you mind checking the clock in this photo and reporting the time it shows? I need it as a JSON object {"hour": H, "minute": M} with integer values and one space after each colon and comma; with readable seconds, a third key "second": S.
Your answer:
{"hour": 7, "minute": 17}
